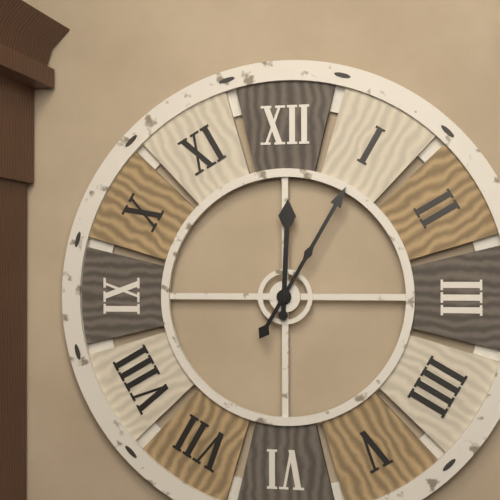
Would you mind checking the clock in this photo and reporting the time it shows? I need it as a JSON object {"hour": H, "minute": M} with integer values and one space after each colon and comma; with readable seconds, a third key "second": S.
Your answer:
{"hour": 12, "minute": 5}
